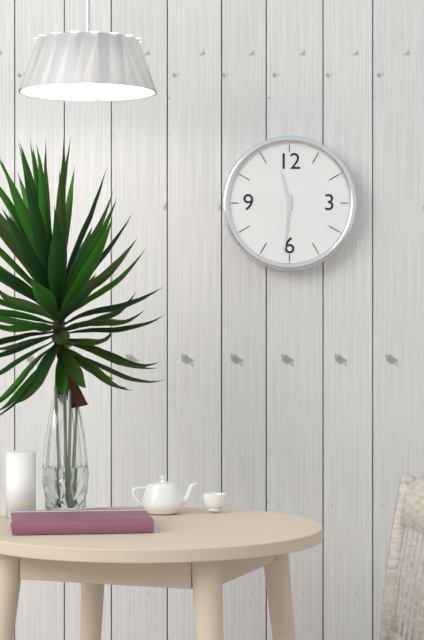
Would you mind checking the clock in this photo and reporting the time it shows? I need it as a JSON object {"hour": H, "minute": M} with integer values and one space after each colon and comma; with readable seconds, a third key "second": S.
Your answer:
{"hour": 11, "minute": 31}
